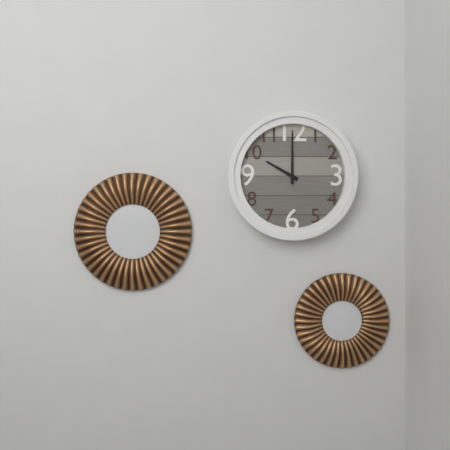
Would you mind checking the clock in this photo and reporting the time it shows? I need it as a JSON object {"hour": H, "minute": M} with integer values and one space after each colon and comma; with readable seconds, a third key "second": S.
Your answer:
{"hour": 10, "minute": 0}
